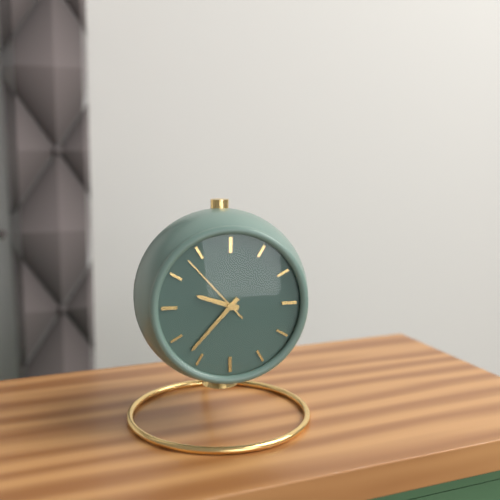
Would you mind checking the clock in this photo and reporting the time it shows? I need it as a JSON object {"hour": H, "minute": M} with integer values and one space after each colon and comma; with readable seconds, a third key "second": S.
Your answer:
{"hour": 9, "minute": 37, "second": 53}
